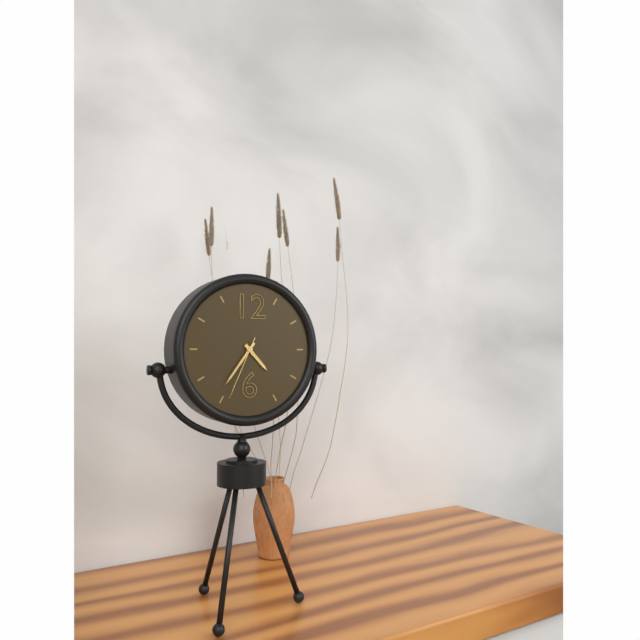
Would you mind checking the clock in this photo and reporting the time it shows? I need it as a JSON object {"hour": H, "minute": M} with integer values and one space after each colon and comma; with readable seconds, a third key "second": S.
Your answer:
{"hour": 4, "minute": 36, "second": 34}
